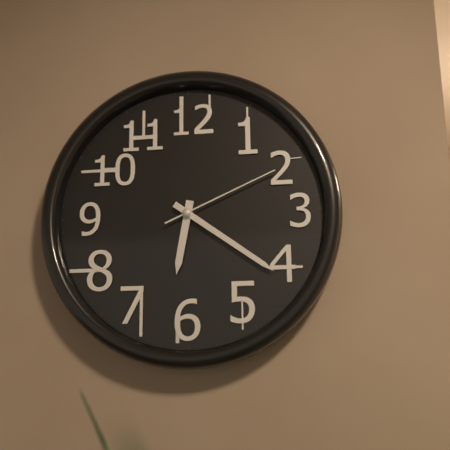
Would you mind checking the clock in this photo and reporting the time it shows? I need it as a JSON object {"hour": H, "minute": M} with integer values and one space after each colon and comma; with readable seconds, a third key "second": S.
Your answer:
{"hour": 6, "minute": 21, "second": 11}
